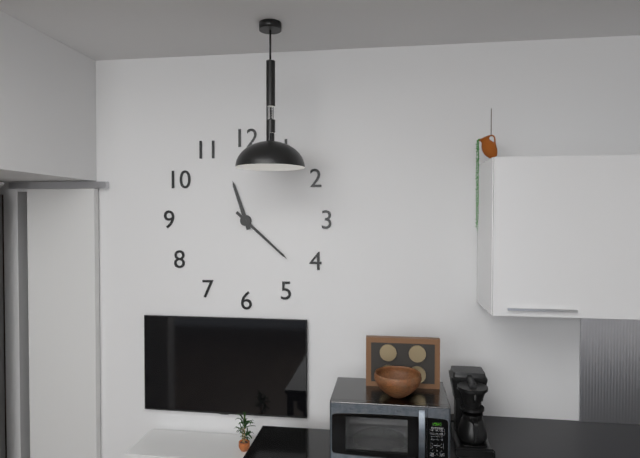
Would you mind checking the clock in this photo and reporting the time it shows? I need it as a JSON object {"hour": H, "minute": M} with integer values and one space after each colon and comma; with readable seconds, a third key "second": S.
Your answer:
{"hour": 11, "minute": 22}
